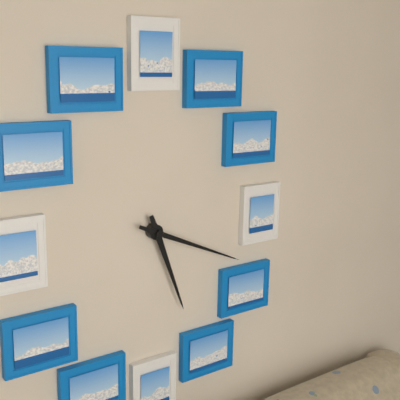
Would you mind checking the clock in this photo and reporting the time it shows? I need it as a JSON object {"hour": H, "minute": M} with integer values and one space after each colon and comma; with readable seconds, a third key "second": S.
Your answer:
{"hour": 5, "minute": 19}
